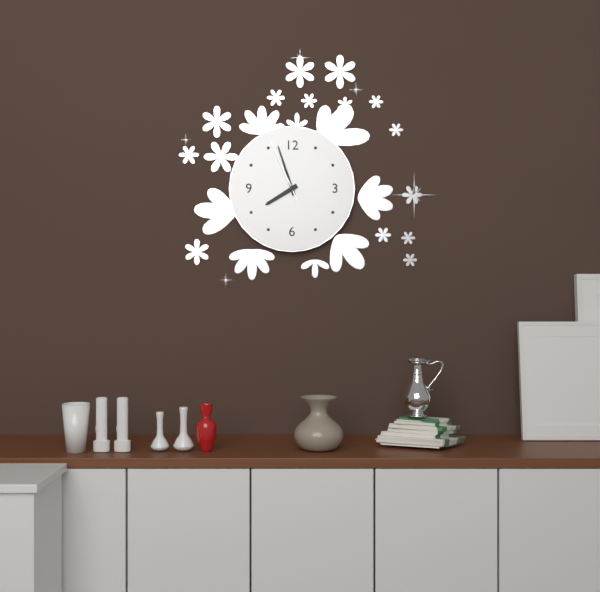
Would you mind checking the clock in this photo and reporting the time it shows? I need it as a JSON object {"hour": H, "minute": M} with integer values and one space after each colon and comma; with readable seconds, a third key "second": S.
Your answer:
{"hour": 7, "minute": 57, "second": 56}
